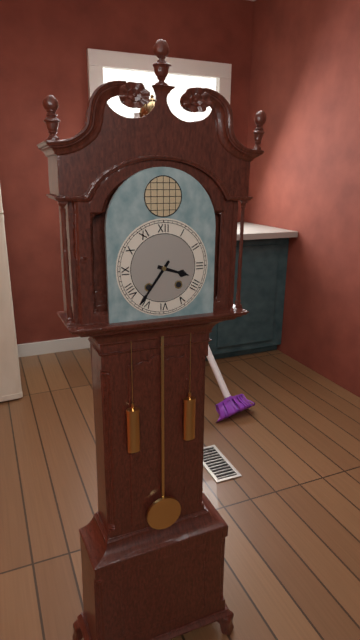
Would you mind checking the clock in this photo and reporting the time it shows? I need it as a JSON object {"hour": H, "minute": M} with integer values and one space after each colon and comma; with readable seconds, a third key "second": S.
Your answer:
{"hour": 3, "minute": 36}
